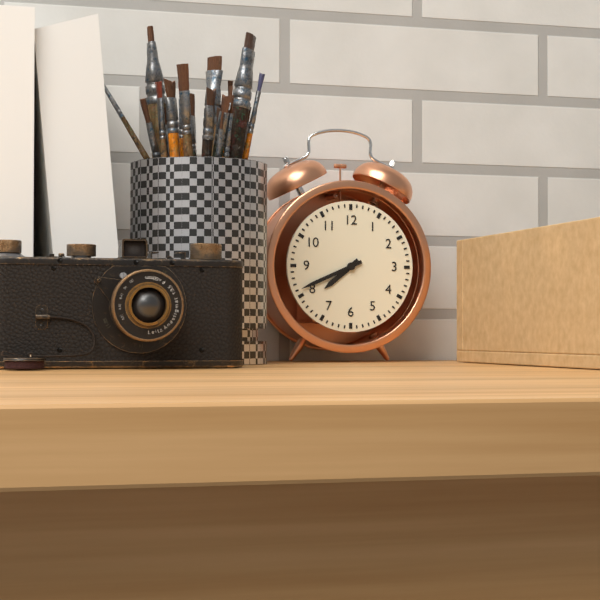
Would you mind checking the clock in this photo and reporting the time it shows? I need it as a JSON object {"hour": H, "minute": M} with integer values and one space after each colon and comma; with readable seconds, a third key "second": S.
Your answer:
{"hour": 7, "minute": 41}
